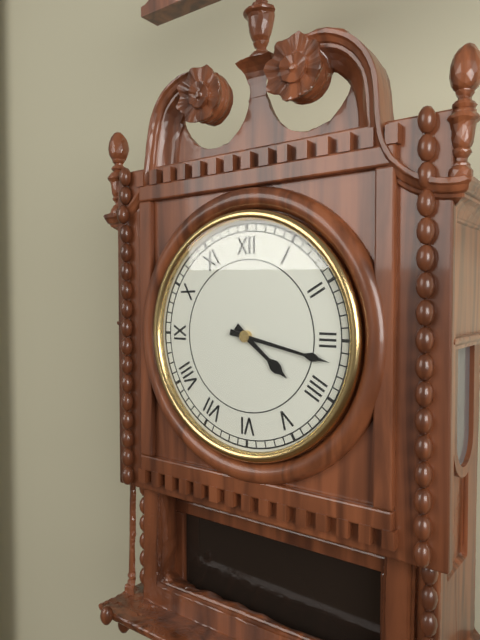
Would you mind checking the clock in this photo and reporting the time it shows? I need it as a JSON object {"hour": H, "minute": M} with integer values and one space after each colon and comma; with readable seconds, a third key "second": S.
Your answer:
{"hour": 4, "minute": 17}
